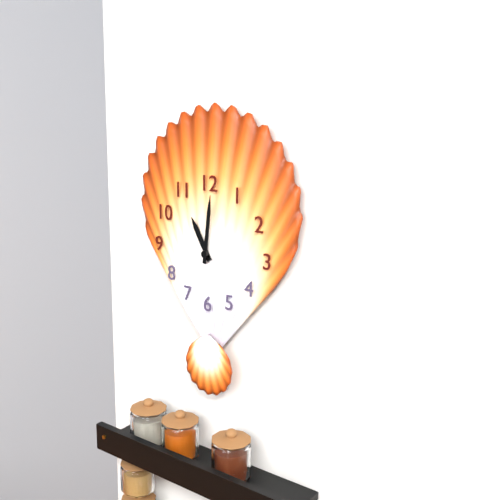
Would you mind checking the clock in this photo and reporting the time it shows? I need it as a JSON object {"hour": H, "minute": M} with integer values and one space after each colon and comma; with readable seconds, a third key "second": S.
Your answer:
{"hour": 11, "minute": 1}
